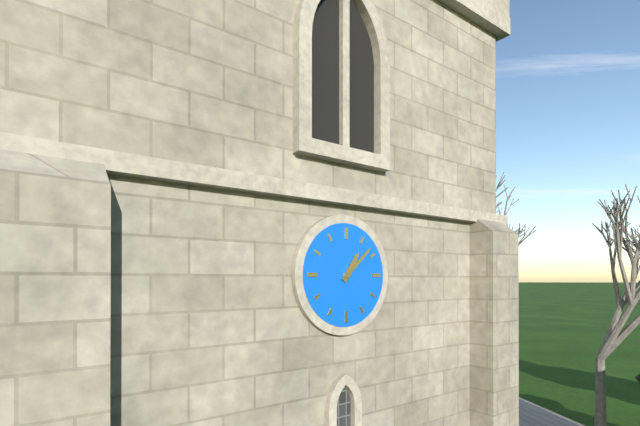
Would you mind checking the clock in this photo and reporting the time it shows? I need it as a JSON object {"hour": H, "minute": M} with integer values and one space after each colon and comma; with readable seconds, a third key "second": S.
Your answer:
{"hour": 1, "minute": 8}
